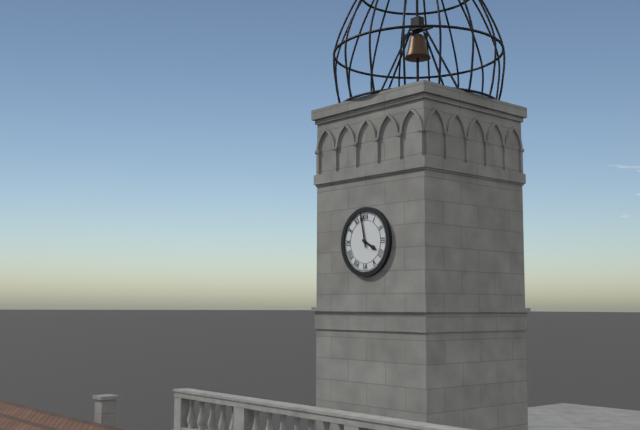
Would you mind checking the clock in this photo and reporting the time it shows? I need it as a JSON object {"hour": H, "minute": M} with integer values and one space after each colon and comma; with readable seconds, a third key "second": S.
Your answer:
{"hour": 3, "minute": 58}
